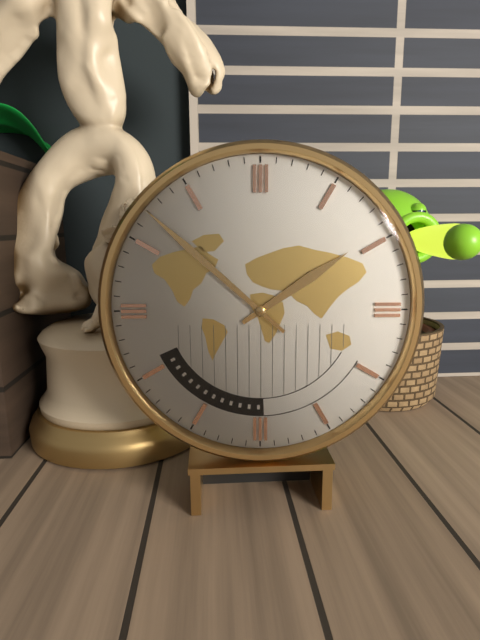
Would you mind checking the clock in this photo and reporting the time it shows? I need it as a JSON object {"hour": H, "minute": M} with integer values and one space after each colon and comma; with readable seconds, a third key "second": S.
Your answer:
{"hour": 1, "minute": 52}
